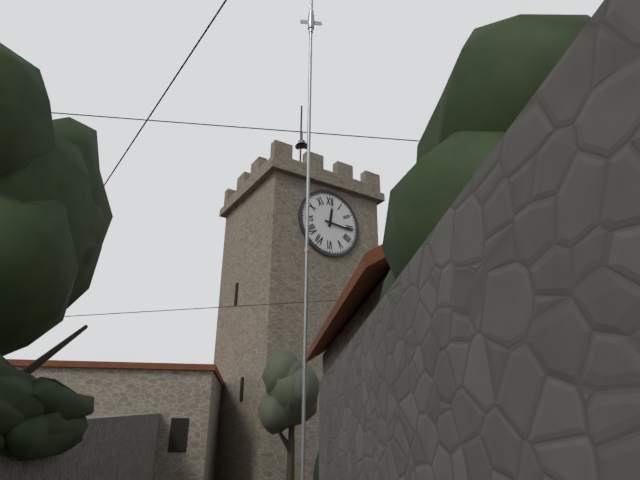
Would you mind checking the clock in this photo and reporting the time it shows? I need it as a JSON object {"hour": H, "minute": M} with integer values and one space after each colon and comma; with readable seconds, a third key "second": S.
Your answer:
{"hour": 12, "minute": 16}
